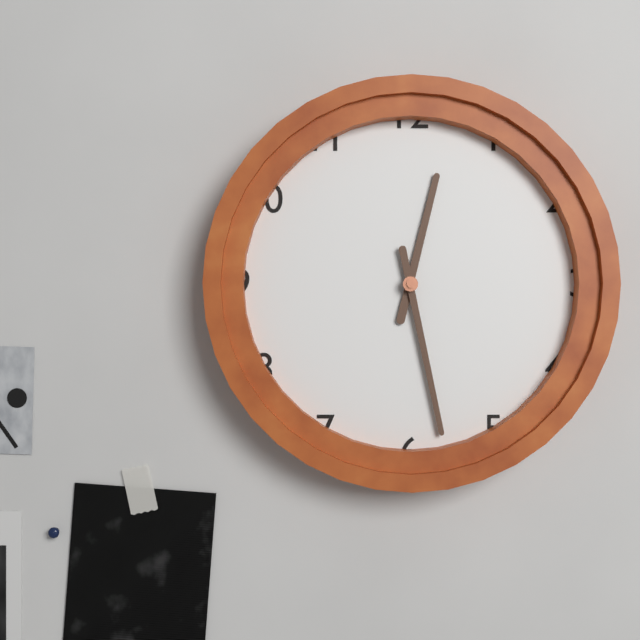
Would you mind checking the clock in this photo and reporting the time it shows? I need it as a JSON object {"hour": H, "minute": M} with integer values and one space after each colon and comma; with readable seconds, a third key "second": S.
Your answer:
{"hour": 12, "minute": 28}
